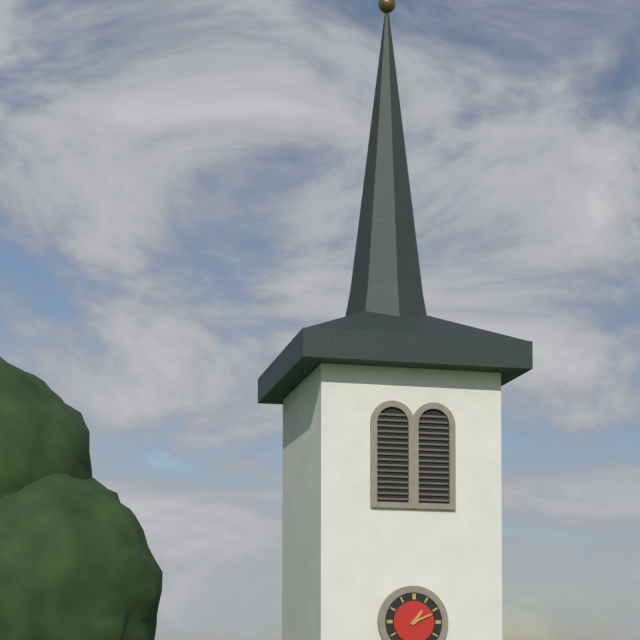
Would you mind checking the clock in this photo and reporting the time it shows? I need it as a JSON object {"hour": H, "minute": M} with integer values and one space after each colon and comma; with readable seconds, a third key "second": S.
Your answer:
{"hour": 1, "minute": 11}
